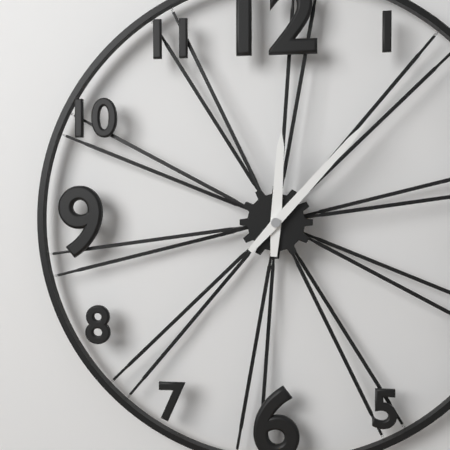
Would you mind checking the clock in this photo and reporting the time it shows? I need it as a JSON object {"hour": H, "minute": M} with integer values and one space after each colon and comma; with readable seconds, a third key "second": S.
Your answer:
{"hour": 12, "minute": 7}
